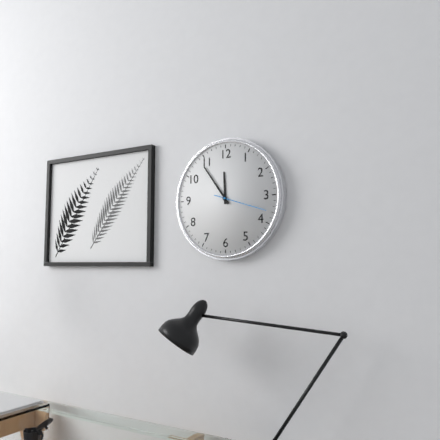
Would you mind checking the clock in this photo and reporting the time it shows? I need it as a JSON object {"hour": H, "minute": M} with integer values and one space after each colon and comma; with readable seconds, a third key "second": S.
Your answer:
{"hour": 11, "minute": 54, "second": 18}
